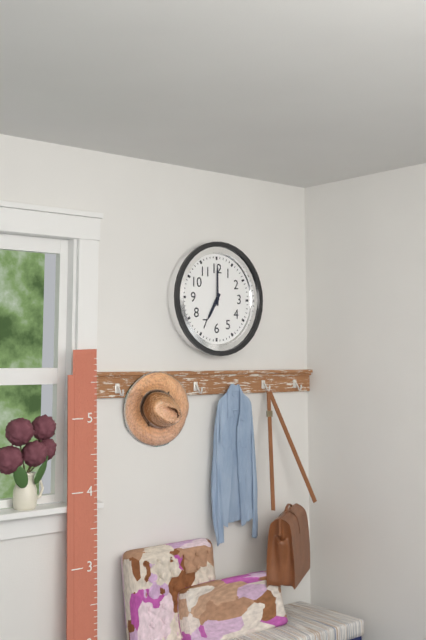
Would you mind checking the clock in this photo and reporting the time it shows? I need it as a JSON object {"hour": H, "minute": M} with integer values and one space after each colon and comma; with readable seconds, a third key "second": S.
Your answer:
{"hour": 7, "minute": 0}
